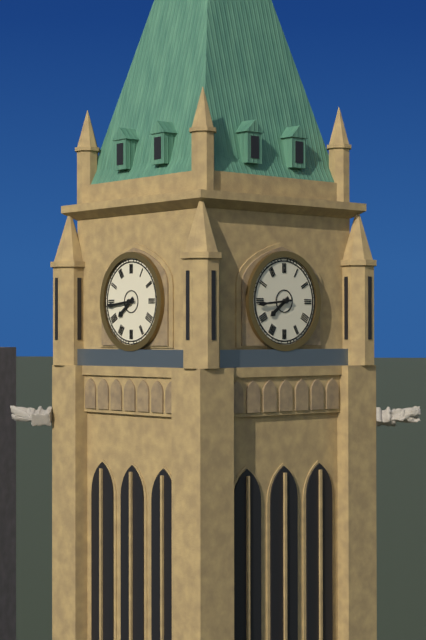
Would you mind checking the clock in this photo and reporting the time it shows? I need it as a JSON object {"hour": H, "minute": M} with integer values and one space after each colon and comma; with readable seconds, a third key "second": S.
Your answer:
{"hour": 7, "minute": 44}
